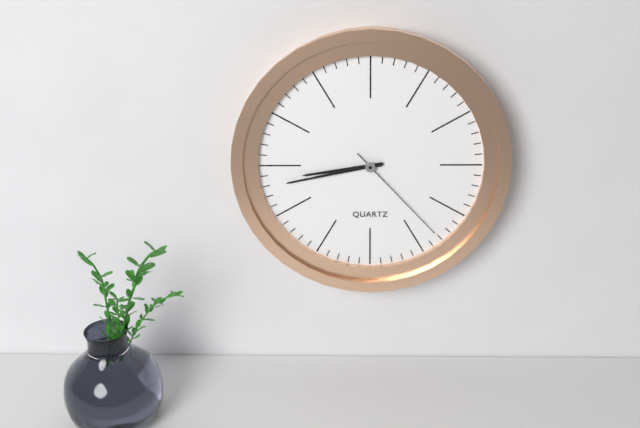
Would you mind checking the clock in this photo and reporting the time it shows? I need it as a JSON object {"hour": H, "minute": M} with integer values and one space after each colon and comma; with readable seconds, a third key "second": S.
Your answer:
{"hour": 8, "minute": 43, "second": 23}
